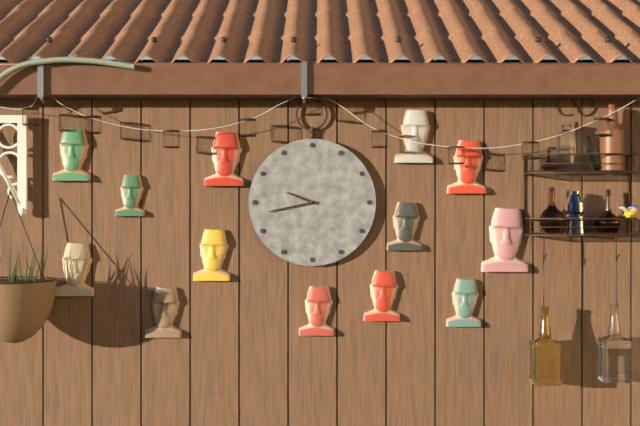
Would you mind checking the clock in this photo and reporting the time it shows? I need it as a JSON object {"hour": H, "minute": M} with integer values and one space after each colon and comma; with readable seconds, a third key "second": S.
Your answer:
{"hour": 9, "minute": 43}
